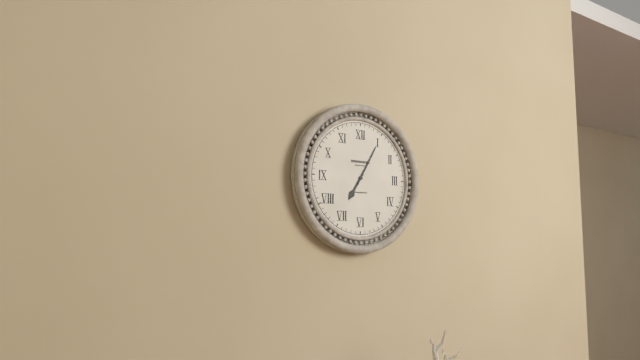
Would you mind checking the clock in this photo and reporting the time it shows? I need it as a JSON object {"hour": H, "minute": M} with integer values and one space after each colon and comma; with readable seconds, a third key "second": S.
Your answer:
{"hour": 7, "minute": 5}
